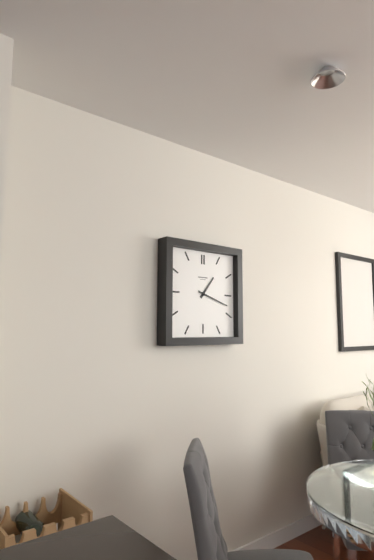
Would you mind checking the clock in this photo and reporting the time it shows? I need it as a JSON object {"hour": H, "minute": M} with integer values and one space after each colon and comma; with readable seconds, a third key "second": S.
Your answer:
{"hour": 1, "minute": 18}
